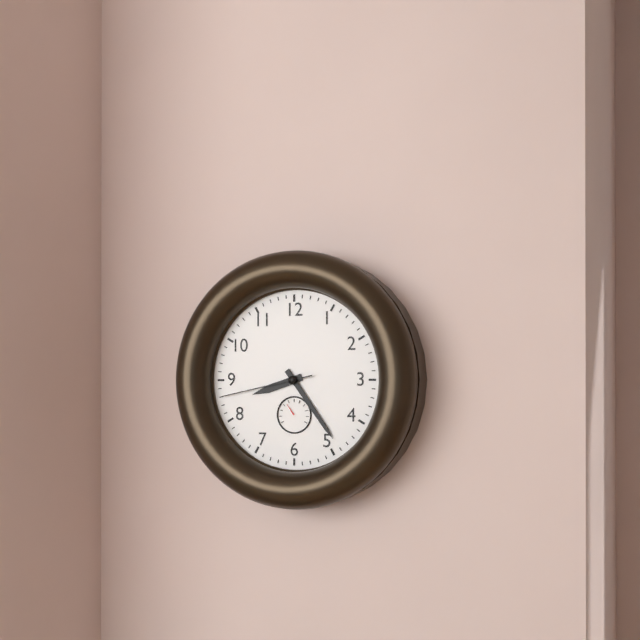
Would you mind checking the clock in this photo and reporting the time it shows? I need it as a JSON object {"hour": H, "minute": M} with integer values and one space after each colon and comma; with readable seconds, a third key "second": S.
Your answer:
{"hour": 8, "minute": 24, "second": 43}
